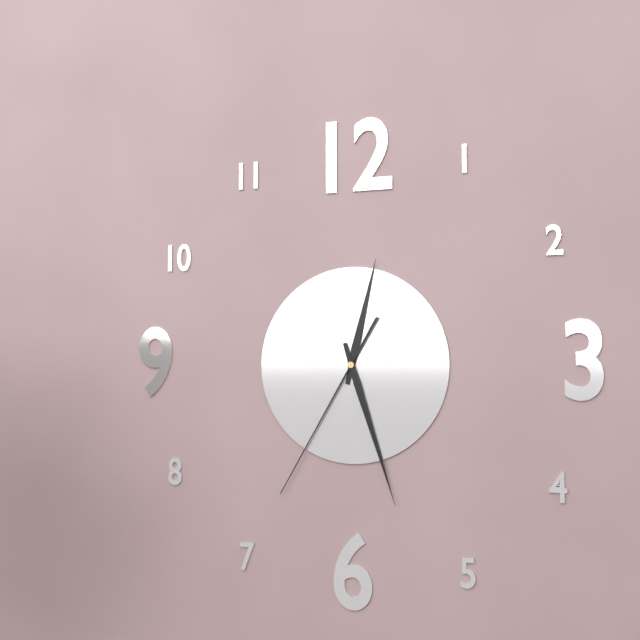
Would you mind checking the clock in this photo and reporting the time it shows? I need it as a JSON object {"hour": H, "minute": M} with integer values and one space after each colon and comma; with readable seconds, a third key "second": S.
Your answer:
{"hour": 12, "minute": 27, "second": 35}
